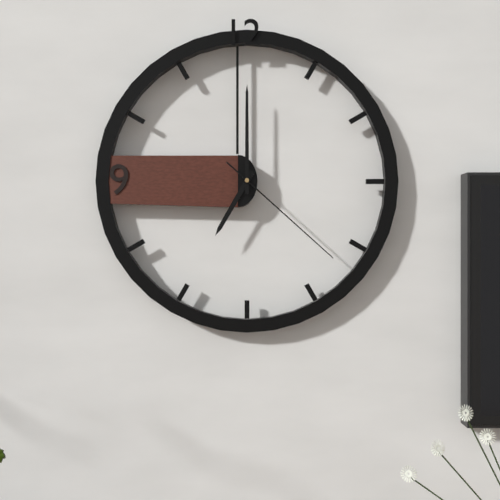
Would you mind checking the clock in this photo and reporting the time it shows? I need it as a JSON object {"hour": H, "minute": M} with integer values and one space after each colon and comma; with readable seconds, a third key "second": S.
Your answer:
{"hour": 7, "minute": 0, "second": 22}
